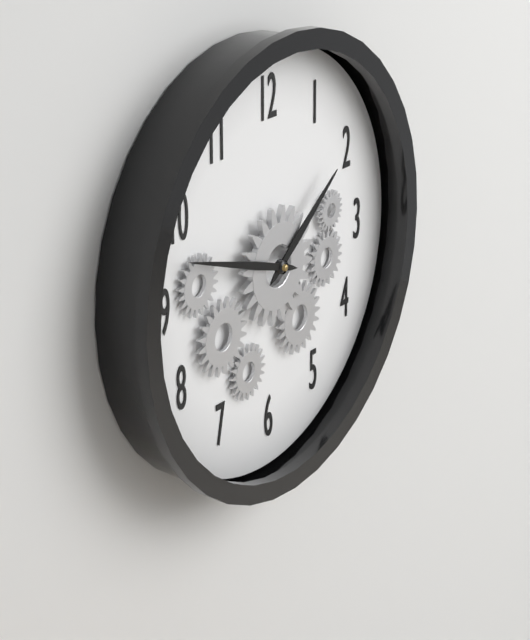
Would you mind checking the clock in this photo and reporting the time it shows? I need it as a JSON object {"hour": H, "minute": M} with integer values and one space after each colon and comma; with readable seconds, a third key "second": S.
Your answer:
{"hour": 1, "minute": 48}
